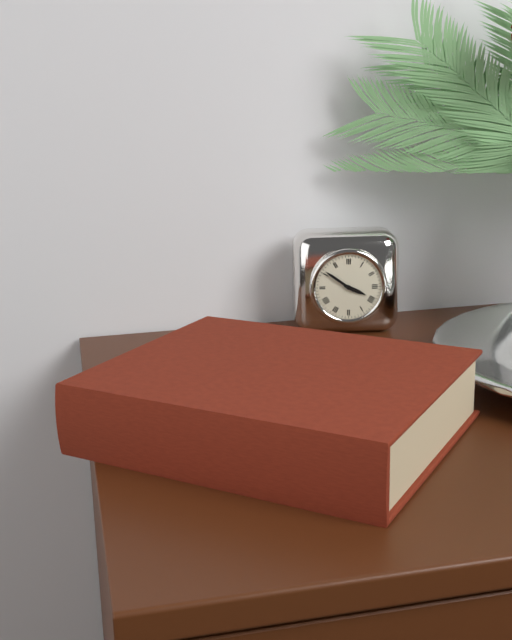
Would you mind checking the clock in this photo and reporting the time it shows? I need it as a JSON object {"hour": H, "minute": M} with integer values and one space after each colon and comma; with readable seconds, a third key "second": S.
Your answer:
{"hour": 3, "minute": 51}
